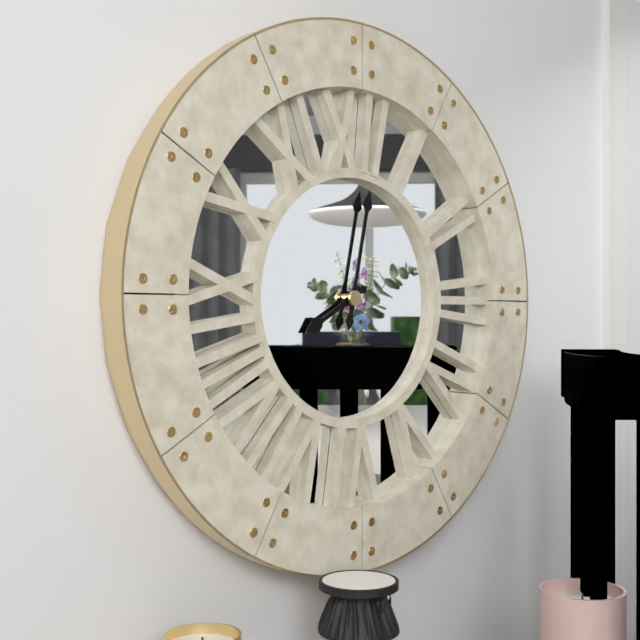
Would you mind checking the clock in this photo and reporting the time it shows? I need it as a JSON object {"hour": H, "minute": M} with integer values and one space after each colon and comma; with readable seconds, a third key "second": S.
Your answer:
{"hour": 8, "minute": 2}
